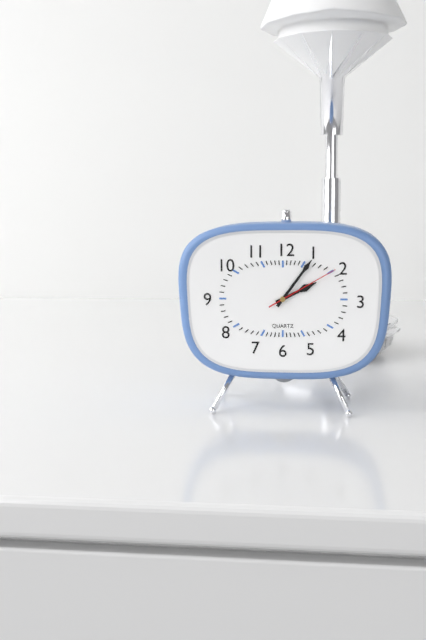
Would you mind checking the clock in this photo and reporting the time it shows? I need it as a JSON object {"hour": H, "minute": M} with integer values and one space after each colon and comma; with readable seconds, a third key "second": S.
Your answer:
{"hour": 2, "minute": 6, "second": 10}
